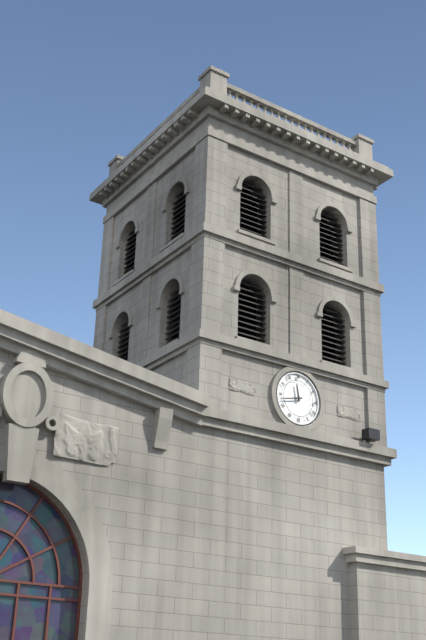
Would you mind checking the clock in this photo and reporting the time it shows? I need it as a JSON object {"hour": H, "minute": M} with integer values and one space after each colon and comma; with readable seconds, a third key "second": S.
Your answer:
{"hour": 11, "minute": 43}
